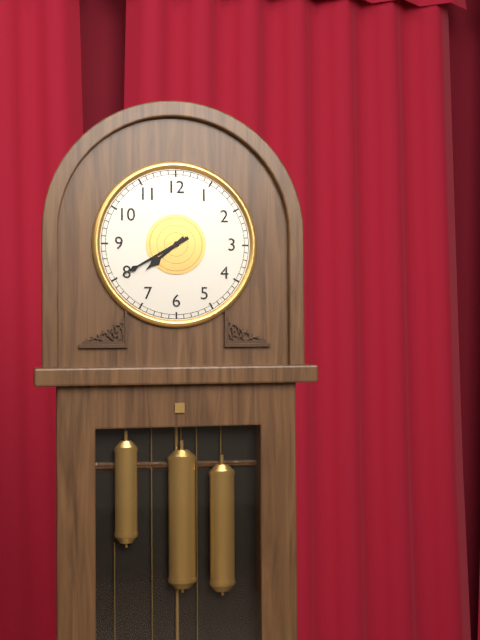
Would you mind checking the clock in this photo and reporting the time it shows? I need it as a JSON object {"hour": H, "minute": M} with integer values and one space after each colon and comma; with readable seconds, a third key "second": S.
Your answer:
{"hour": 7, "minute": 40}
